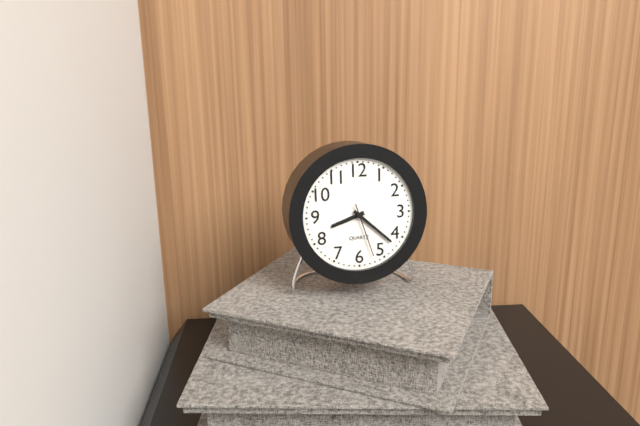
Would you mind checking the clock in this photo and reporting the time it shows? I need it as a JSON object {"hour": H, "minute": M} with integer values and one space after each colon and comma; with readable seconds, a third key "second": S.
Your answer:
{"hour": 8, "minute": 22, "second": 27}
